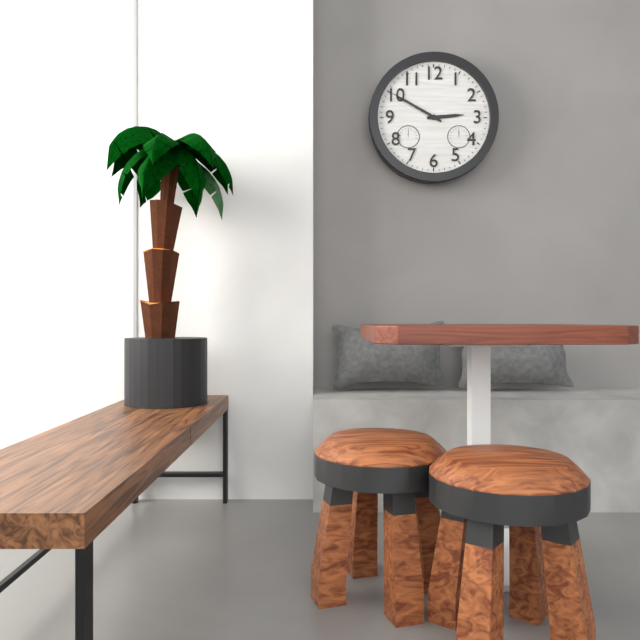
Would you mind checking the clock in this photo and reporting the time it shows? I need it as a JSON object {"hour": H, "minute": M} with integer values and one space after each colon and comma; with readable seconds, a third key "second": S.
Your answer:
{"hour": 2, "minute": 50}
